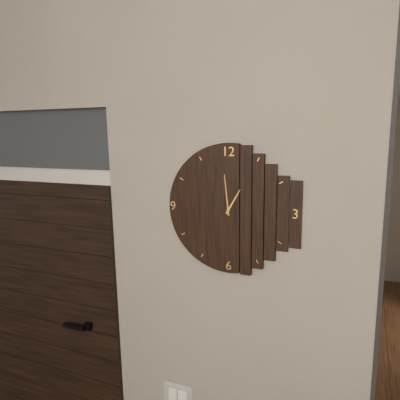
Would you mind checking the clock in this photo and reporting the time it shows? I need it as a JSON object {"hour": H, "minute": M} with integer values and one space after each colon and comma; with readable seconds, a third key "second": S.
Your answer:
{"hour": 12, "minute": 59}
